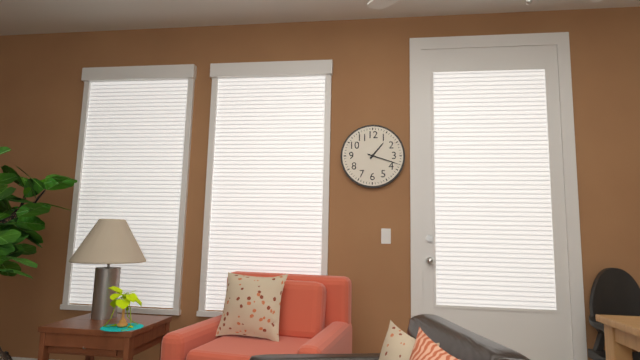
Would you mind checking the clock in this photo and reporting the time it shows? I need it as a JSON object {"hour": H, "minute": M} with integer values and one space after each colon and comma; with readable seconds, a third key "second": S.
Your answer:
{"hour": 1, "minute": 18}
